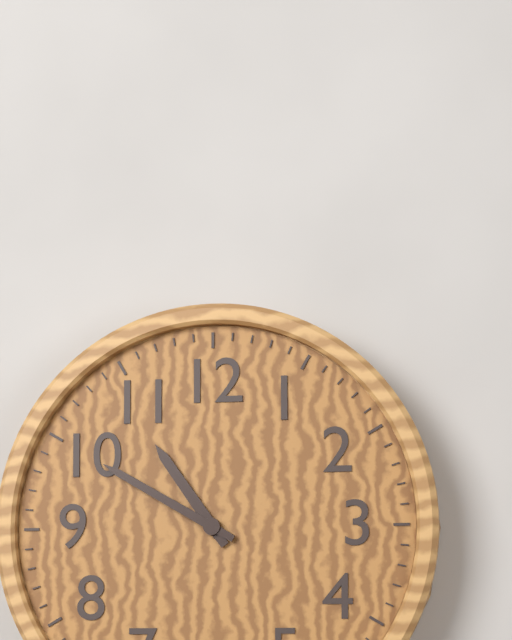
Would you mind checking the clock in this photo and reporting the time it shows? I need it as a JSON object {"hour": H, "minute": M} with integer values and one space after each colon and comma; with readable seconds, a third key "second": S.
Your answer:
{"hour": 10, "minute": 50}
